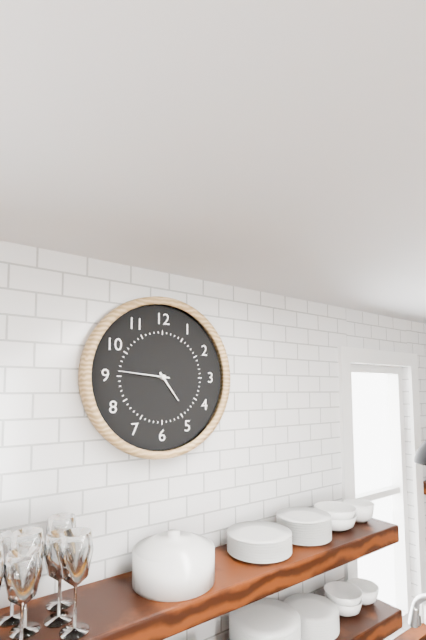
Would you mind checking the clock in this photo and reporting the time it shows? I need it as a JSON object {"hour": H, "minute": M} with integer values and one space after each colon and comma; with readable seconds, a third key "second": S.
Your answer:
{"hour": 4, "minute": 46}
